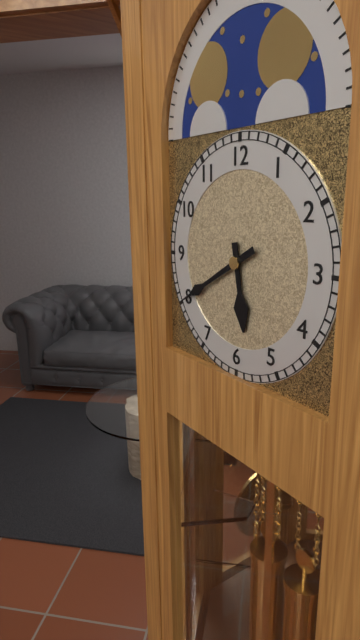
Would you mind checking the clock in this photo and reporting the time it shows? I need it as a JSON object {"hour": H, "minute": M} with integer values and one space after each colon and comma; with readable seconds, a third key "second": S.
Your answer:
{"hour": 5, "minute": 40}
